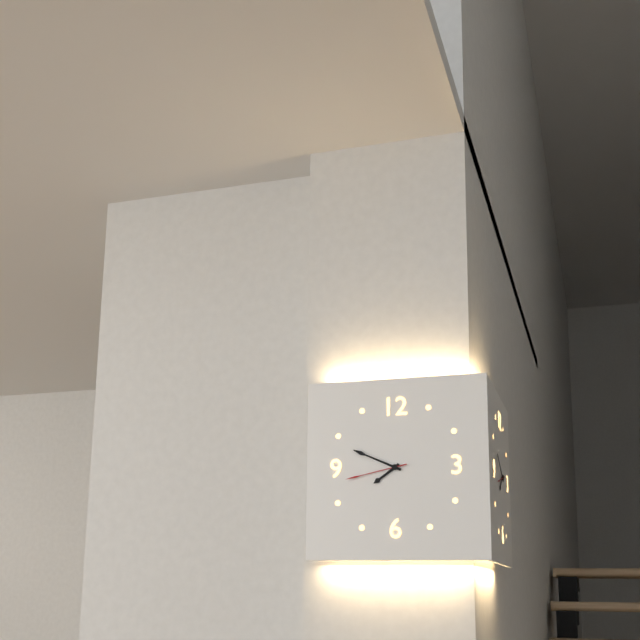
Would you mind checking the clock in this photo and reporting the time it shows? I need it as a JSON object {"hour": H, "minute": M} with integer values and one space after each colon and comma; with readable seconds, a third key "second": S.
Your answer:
{"hour": 7, "minute": 49, "second": 43}
